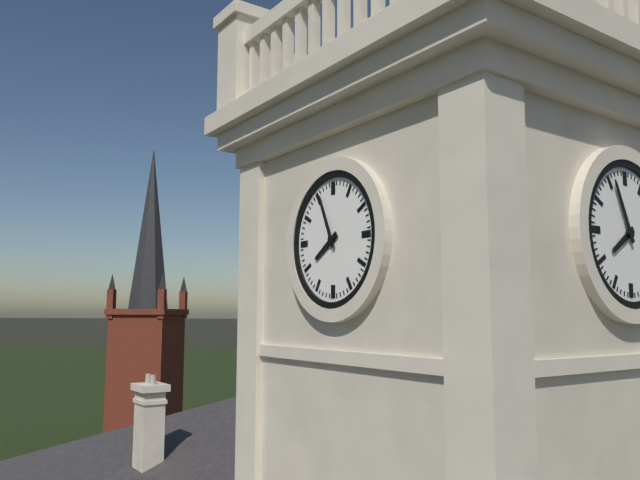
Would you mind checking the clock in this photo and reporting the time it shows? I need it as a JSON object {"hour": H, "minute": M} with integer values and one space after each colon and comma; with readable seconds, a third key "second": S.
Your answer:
{"hour": 7, "minute": 56}
